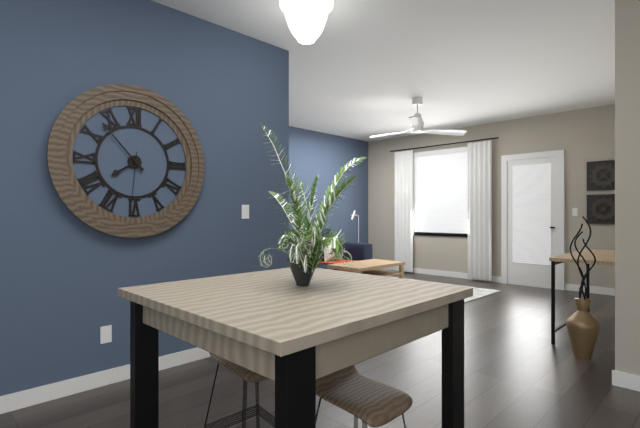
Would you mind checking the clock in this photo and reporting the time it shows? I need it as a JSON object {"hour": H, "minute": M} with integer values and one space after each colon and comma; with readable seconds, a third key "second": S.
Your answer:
{"hour": 7, "minute": 53, "second": 31}
